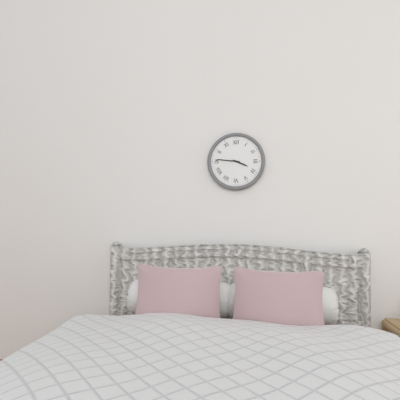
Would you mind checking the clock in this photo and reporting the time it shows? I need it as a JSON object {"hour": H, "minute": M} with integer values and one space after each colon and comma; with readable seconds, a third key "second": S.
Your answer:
{"hour": 3, "minute": 46}
